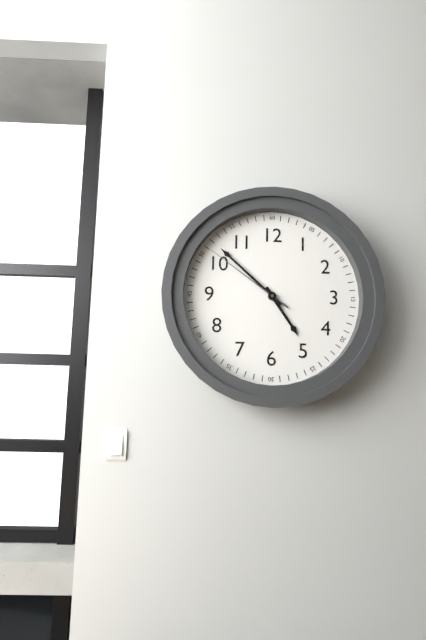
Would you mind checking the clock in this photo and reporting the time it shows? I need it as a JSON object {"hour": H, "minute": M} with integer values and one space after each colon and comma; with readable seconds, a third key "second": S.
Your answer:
{"hour": 4, "minute": 52, "second": 51}
